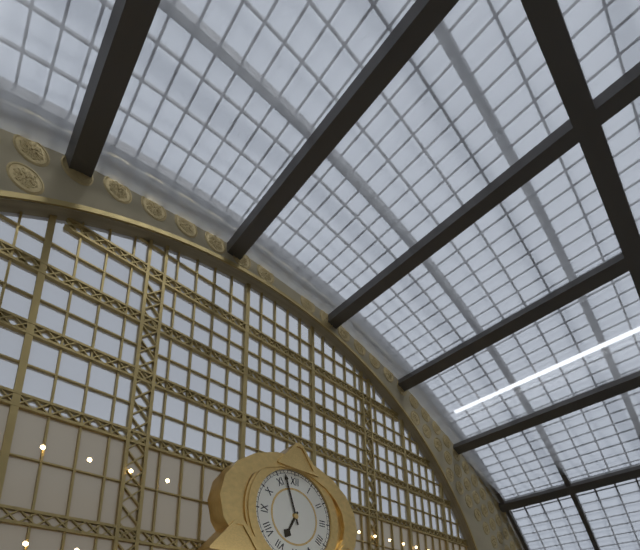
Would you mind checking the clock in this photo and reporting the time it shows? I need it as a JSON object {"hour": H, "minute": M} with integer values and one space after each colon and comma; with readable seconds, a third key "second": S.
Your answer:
{"hour": 6, "minute": 57}
